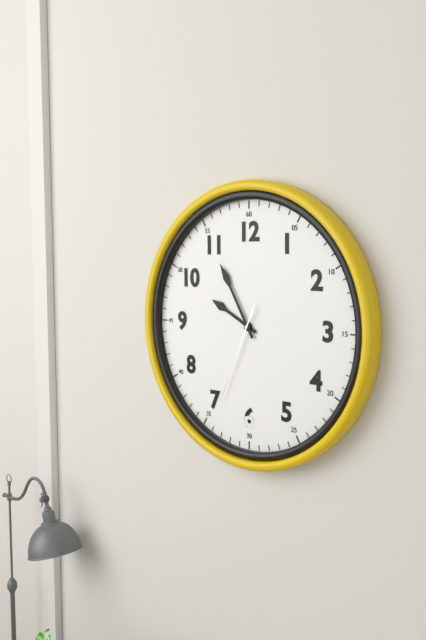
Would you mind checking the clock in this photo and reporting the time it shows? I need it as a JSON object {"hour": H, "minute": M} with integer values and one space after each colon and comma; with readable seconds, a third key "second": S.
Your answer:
{"hour": 9, "minute": 55, "second": 34}
